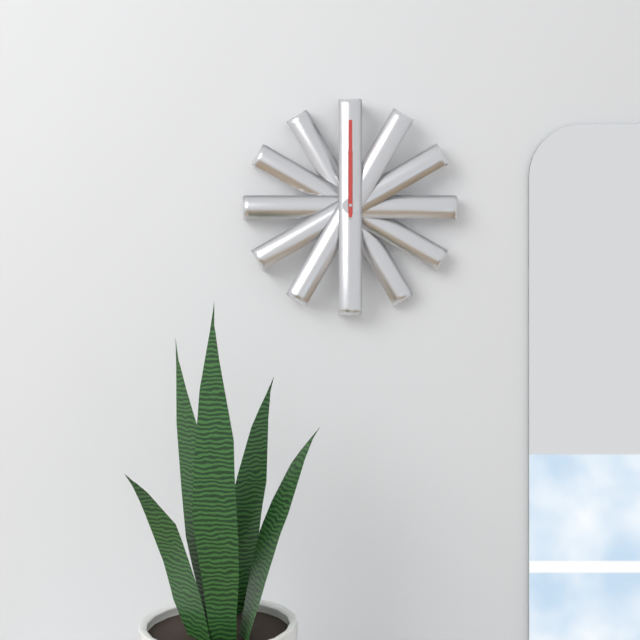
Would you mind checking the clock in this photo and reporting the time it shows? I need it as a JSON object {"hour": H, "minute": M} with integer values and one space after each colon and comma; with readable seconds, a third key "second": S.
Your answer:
{"hour": 12, "minute": 0}
